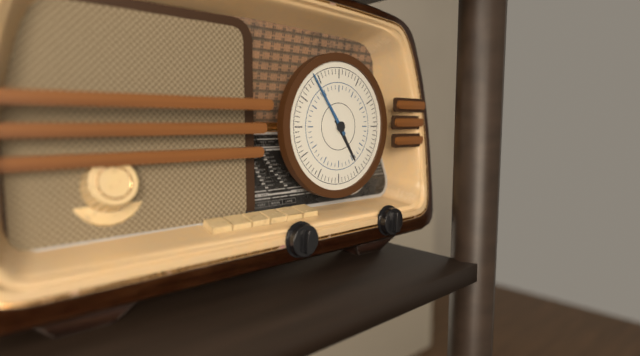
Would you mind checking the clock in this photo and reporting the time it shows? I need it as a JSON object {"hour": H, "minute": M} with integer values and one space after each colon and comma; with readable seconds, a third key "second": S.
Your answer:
{"hour": 4, "minute": 54}
